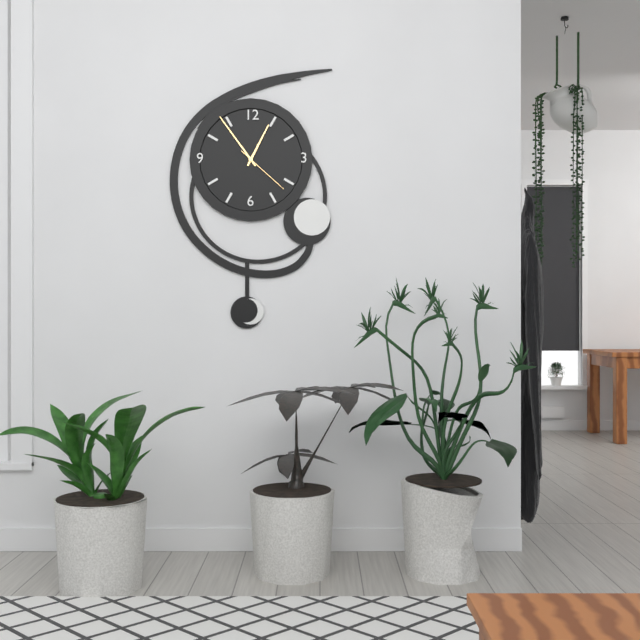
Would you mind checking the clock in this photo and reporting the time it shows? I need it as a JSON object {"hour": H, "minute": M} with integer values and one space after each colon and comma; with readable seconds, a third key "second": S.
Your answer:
{"hour": 12, "minute": 54, "second": 22}
